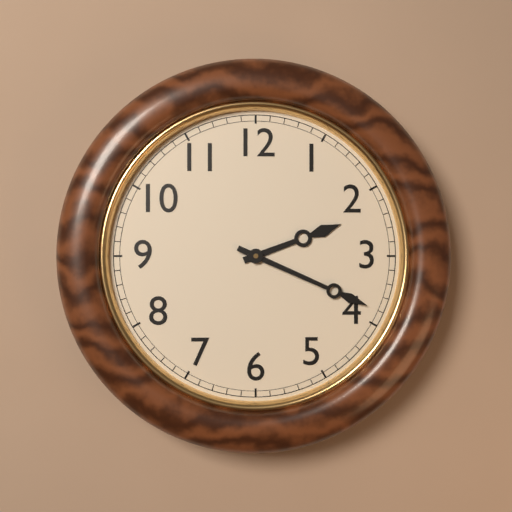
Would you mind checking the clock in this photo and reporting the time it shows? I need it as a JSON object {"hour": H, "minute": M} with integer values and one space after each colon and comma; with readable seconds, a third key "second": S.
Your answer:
{"hour": 2, "minute": 19}
